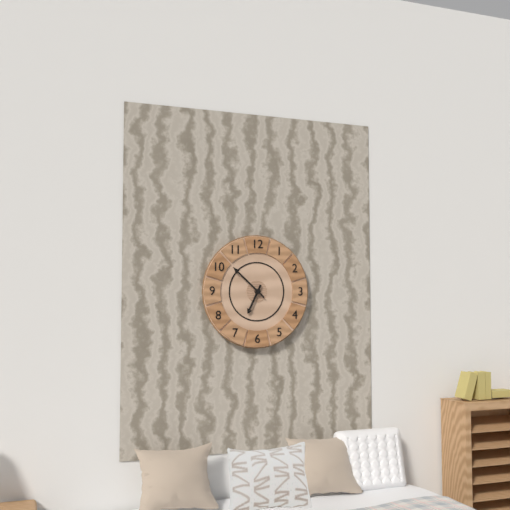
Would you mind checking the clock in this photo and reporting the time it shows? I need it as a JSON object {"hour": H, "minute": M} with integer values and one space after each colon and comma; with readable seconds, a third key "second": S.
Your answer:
{"hour": 6, "minute": 52}
